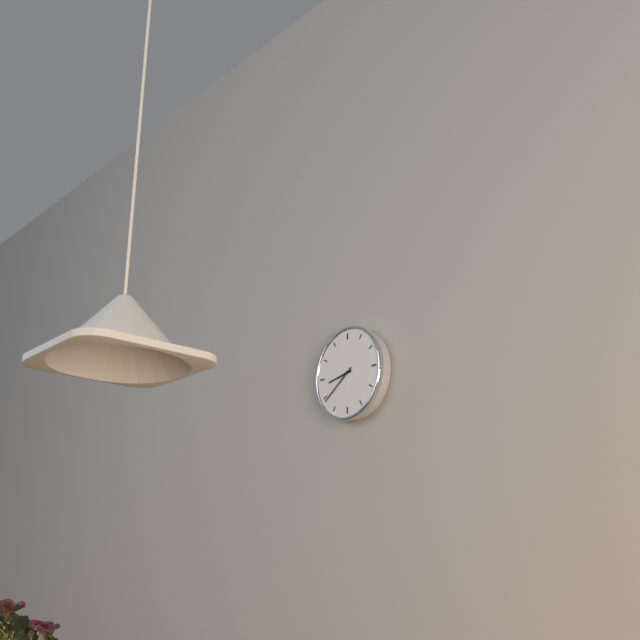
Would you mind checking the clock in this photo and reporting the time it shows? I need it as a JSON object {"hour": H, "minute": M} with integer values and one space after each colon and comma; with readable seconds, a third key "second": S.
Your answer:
{"hour": 8, "minute": 39}
